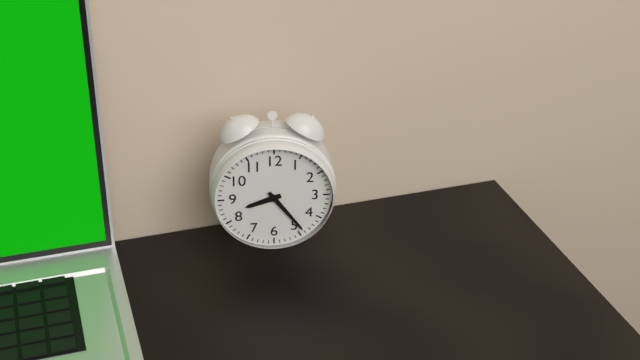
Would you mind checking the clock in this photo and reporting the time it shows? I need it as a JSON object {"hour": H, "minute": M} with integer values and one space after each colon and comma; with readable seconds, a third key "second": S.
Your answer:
{"hour": 8, "minute": 24}
